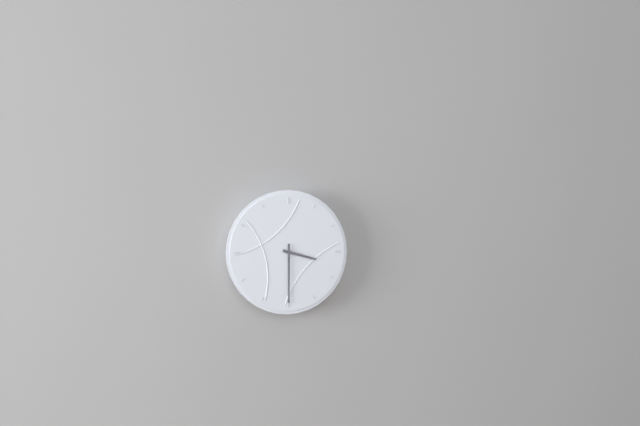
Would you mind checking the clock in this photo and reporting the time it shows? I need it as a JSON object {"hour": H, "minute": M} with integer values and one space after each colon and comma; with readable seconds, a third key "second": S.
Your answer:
{"hour": 3, "minute": 30}
